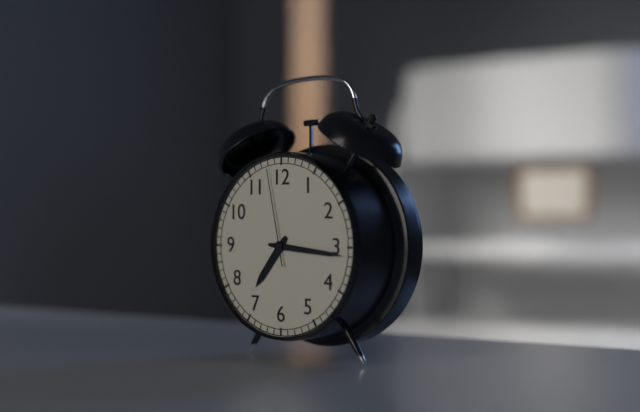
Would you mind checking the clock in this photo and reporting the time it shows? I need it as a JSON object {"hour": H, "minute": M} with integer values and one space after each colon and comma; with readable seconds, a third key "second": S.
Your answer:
{"hour": 7, "minute": 16, "second": 58}
